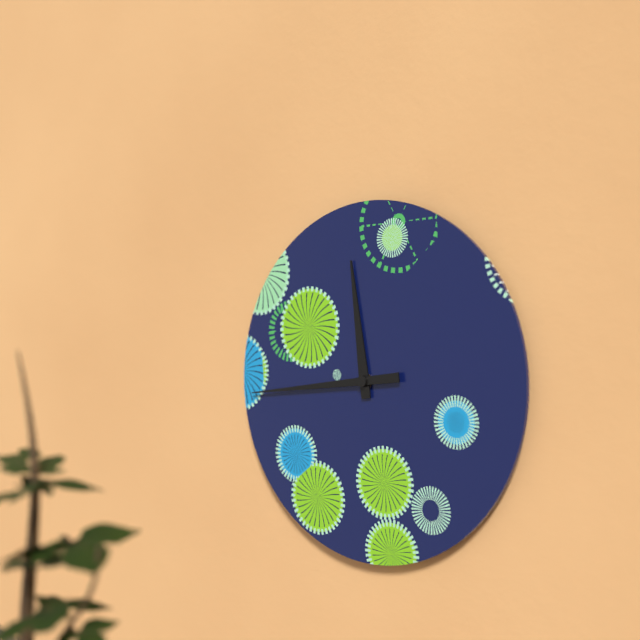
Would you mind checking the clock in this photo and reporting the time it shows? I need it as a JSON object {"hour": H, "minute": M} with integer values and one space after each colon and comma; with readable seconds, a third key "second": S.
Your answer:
{"hour": 11, "minute": 44}
